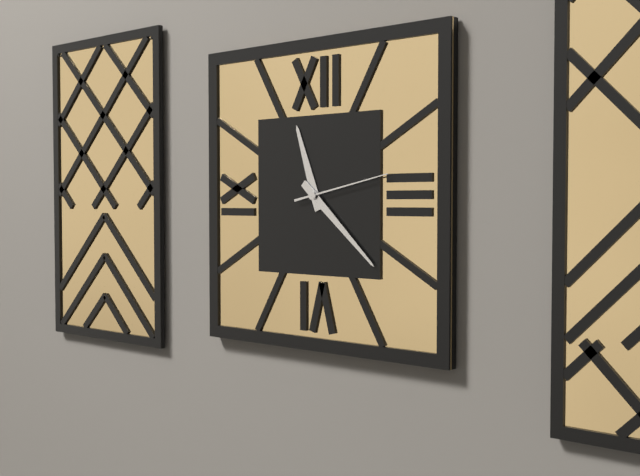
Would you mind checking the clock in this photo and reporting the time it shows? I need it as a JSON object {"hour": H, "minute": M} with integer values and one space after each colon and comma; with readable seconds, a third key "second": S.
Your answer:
{"hour": 11, "minute": 22, "second": 13}
